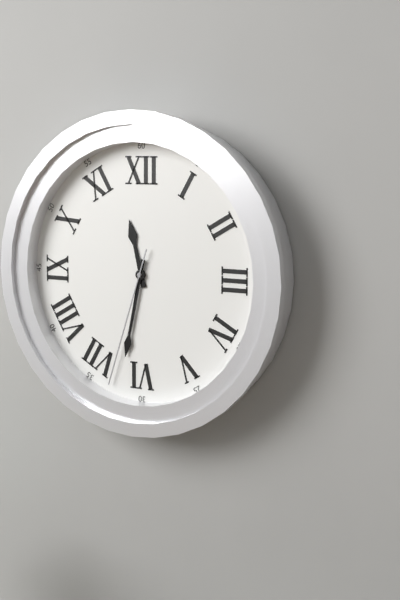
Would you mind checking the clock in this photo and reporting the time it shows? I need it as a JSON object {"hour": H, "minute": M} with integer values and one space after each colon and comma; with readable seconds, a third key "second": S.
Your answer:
{"hour": 11, "minute": 32, "second": 33}
